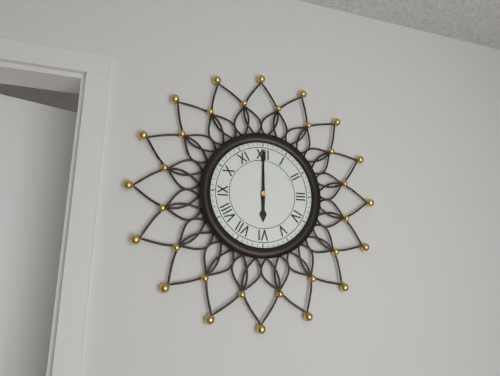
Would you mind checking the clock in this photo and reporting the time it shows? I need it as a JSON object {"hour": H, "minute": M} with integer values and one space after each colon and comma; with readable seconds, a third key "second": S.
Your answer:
{"hour": 6, "minute": 0}
